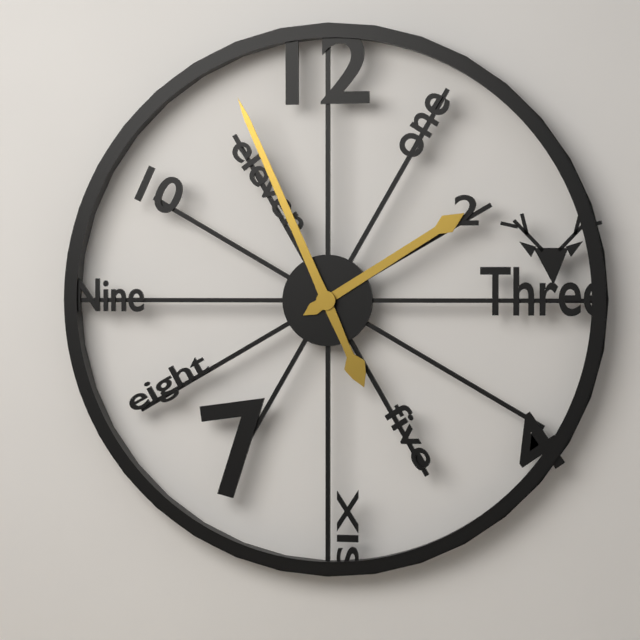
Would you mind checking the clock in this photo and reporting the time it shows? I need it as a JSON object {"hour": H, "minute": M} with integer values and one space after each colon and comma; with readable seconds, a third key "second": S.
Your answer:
{"hour": 1, "minute": 56}
